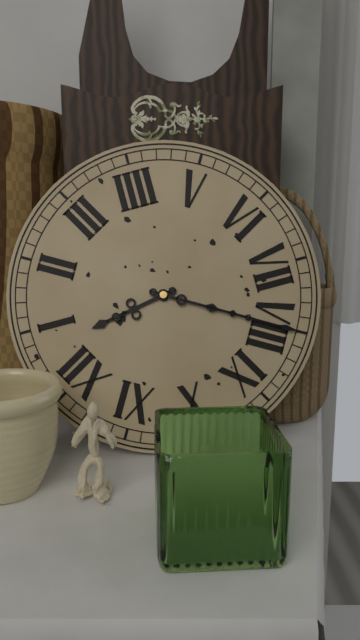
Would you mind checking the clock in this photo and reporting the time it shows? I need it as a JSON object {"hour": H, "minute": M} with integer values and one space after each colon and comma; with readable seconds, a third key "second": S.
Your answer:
{"hour": 12, "minute": 40}
